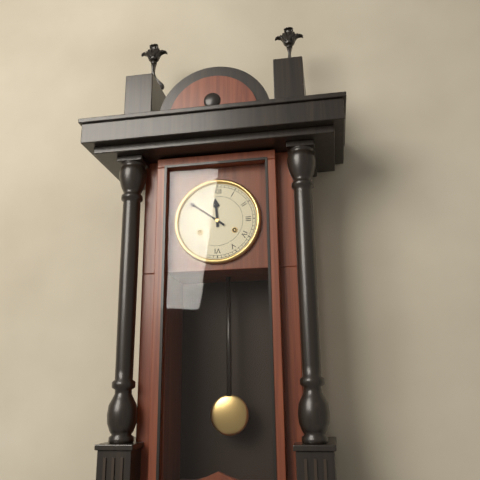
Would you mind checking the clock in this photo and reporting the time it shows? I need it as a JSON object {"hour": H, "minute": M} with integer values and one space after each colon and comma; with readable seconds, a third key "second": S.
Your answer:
{"hour": 11, "minute": 51}
